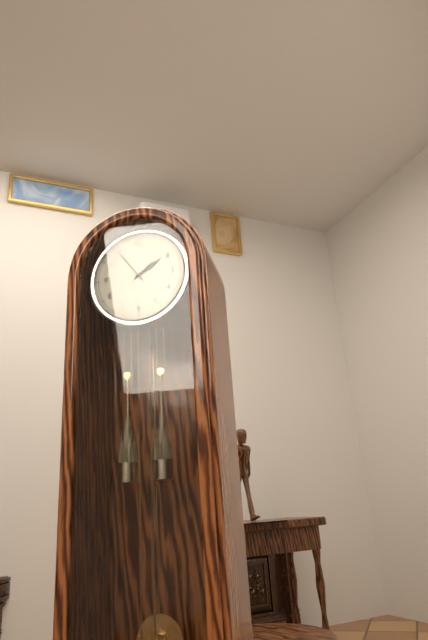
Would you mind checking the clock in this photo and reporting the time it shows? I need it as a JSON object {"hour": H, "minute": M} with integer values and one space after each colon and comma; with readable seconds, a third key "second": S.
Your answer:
{"hour": 1, "minute": 54}
